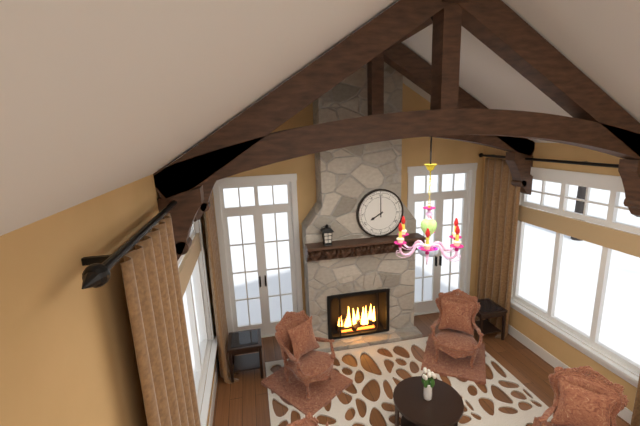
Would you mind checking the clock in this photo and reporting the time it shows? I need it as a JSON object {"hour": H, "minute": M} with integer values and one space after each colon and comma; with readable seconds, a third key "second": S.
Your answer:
{"hour": 8, "minute": 0}
